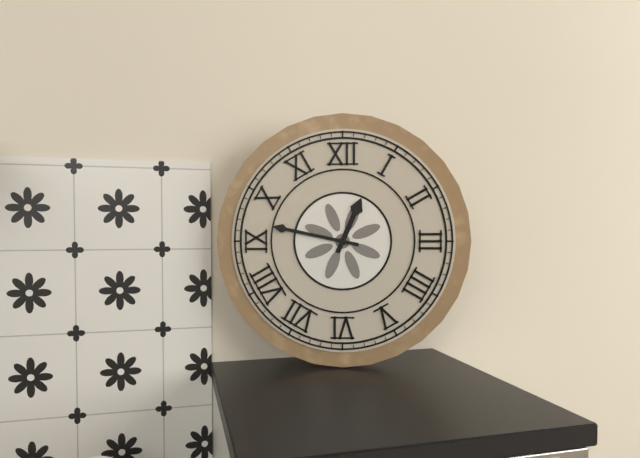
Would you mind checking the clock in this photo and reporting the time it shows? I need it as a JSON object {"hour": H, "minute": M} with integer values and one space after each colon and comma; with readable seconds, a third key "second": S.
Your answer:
{"hour": 12, "minute": 47}
